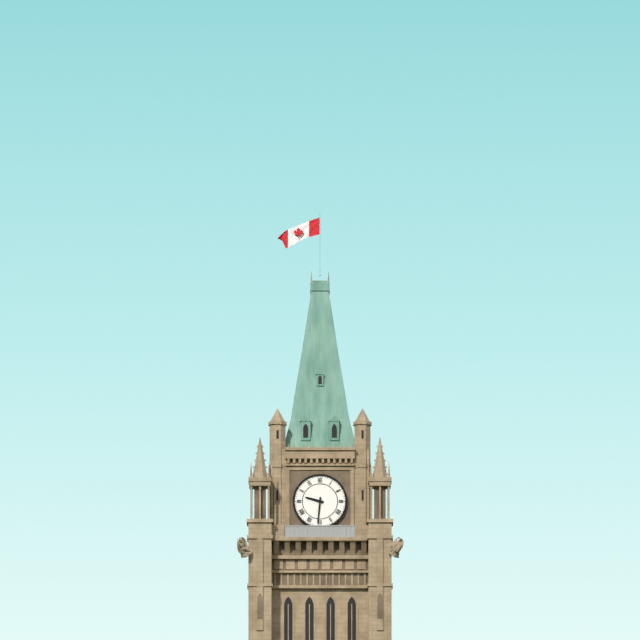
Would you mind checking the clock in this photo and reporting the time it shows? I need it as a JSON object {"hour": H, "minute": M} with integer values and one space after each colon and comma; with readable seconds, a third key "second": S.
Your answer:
{"hour": 9, "minute": 31}
